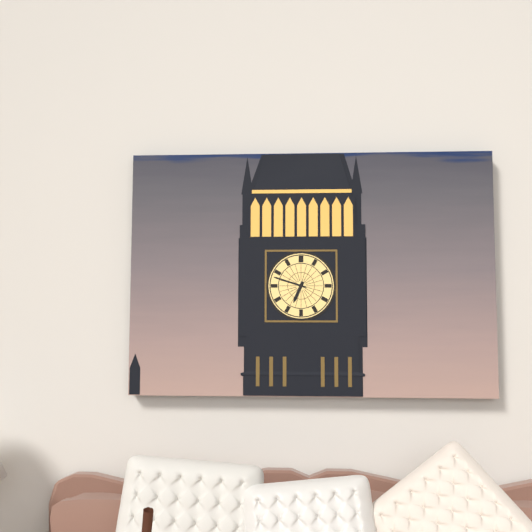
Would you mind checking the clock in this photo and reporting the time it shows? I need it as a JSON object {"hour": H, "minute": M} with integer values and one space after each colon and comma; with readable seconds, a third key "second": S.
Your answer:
{"hour": 6, "minute": 48}
